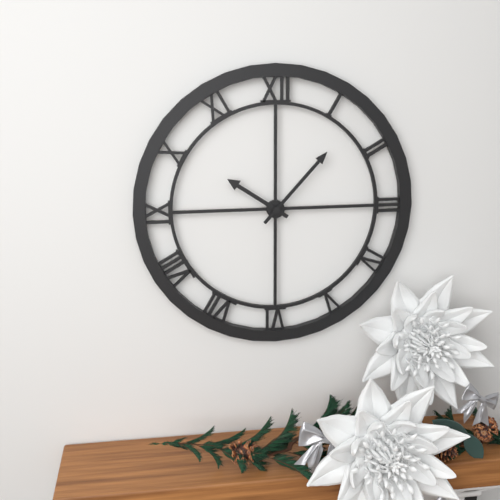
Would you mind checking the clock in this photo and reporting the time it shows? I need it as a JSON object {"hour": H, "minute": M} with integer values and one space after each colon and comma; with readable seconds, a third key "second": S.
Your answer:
{"hour": 10, "minute": 7}
